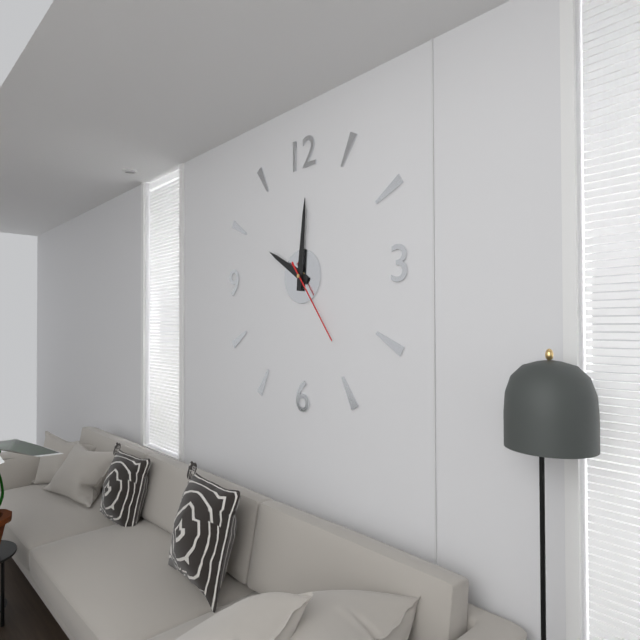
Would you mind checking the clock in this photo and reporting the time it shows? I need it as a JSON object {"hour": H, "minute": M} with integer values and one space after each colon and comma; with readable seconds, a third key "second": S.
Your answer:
{"hour": 10, "minute": 1, "second": 24}
